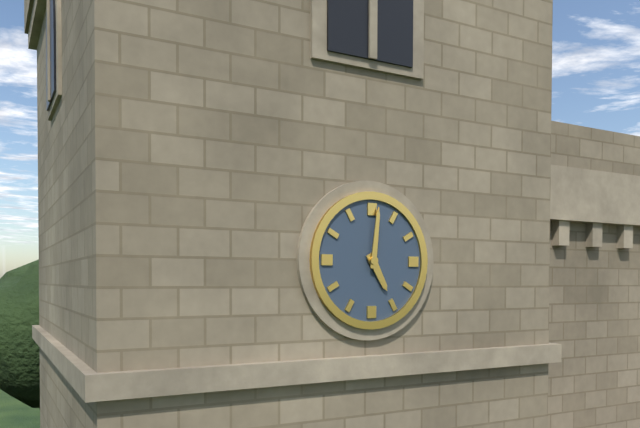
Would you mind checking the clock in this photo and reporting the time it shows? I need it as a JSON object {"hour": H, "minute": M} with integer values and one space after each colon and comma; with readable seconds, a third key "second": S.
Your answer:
{"hour": 5, "minute": 1}
